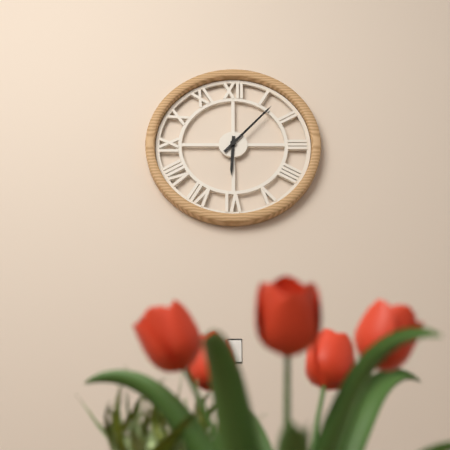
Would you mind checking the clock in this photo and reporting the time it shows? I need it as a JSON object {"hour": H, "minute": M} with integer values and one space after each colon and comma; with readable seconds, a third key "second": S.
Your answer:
{"hour": 6, "minute": 7}
